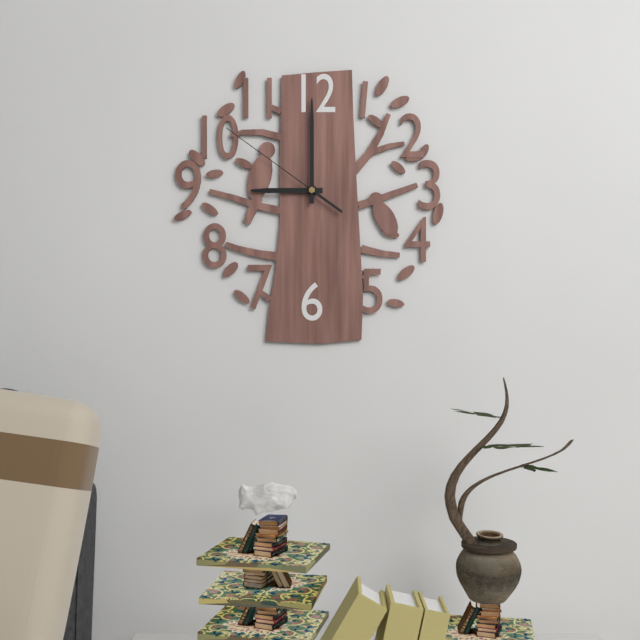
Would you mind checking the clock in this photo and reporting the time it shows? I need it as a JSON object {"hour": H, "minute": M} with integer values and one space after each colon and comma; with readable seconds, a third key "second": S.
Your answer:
{"hour": 9, "minute": 0, "second": 51}
